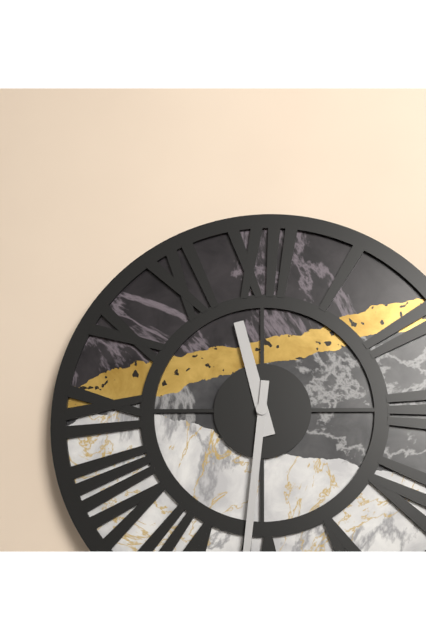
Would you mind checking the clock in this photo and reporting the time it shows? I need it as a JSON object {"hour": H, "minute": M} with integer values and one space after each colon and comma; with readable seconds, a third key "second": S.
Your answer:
{"hour": 11, "minute": 31}
